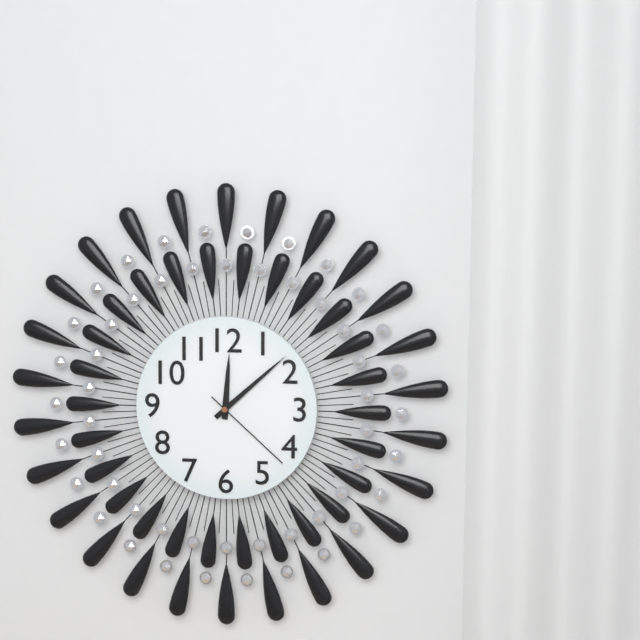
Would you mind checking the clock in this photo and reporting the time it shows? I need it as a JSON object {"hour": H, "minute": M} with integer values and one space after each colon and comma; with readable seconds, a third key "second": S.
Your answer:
{"hour": 12, "minute": 8, "second": 22}
